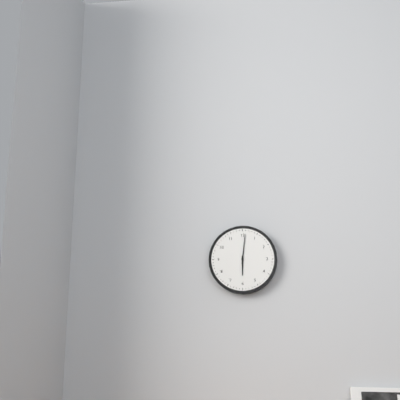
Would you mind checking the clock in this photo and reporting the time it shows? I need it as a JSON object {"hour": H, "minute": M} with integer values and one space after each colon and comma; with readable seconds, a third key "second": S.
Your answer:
{"hour": 6, "minute": 1}
